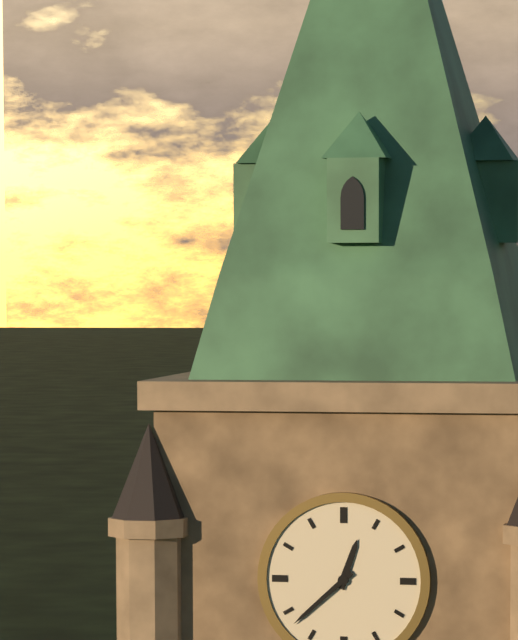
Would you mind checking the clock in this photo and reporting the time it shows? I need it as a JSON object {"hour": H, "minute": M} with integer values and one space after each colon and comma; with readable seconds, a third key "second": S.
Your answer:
{"hour": 12, "minute": 38}
